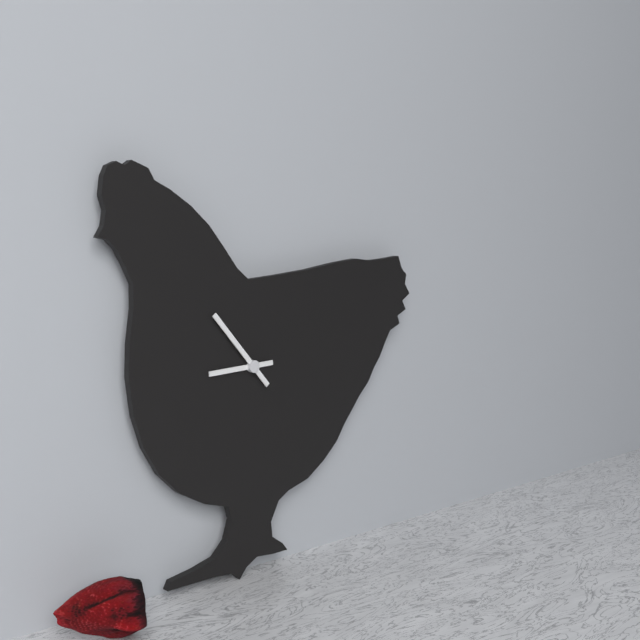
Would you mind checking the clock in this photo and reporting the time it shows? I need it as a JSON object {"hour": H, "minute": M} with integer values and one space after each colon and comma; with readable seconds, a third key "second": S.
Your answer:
{"hour": 8, "minute": 53}
